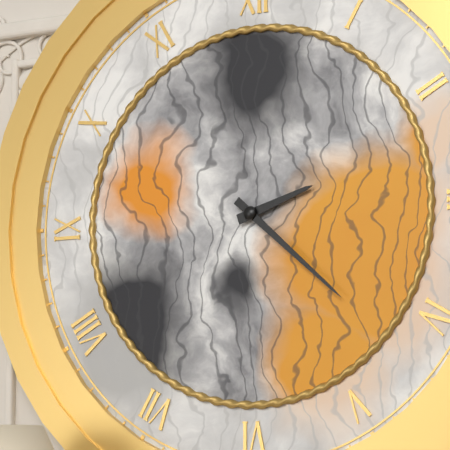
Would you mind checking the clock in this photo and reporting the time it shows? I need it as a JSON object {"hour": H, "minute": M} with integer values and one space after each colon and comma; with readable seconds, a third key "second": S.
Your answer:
{"hour": 2, "minute": 22}
